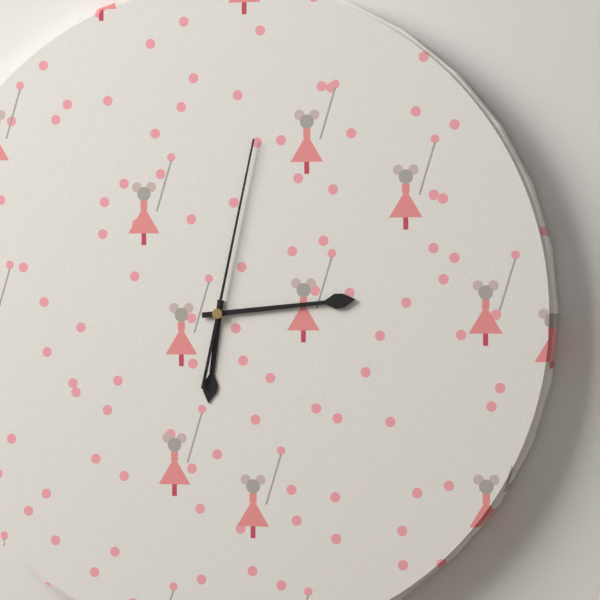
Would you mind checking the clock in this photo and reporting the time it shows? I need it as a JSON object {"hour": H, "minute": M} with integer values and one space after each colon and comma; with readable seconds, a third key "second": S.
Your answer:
{"hour": 6, "minute": 14, "second": 2}
